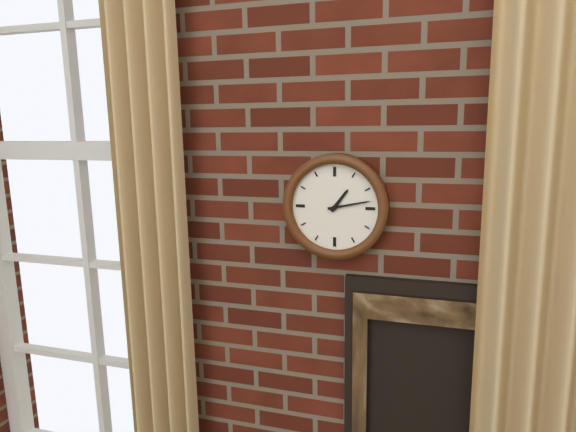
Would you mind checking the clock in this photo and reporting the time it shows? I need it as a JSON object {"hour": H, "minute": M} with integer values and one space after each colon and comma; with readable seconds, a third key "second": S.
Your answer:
{"hour": 1, "minute": 13}
